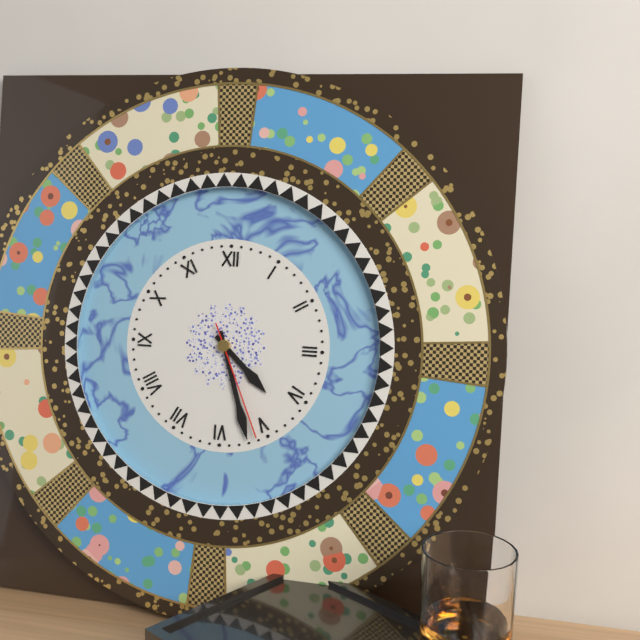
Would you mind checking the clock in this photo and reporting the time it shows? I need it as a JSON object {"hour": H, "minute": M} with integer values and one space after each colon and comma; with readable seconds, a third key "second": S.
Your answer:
{"hour": 4, "minute": 27, "second": 26}
